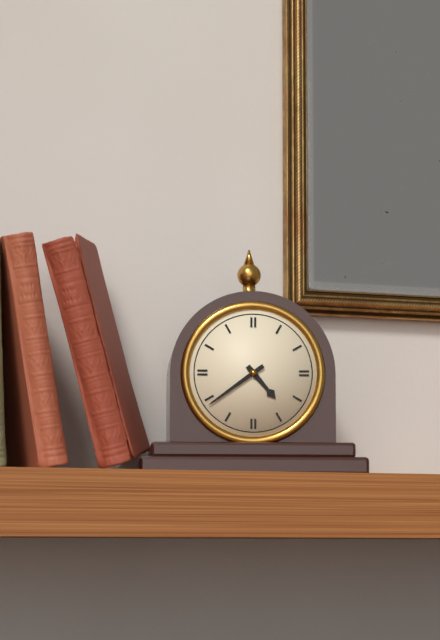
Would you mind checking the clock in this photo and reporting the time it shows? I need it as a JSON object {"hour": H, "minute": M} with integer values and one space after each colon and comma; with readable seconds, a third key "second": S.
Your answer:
{"hour": 4, "minute": 39}
